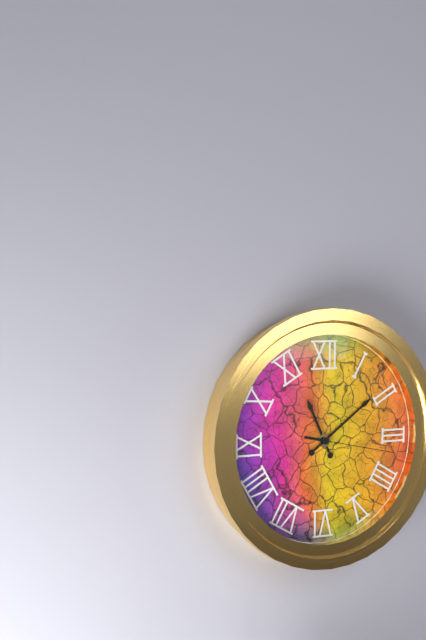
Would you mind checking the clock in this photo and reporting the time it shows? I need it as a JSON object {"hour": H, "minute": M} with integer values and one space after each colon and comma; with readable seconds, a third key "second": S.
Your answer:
{"hour": 11, "minute": 9, "second": 17}
